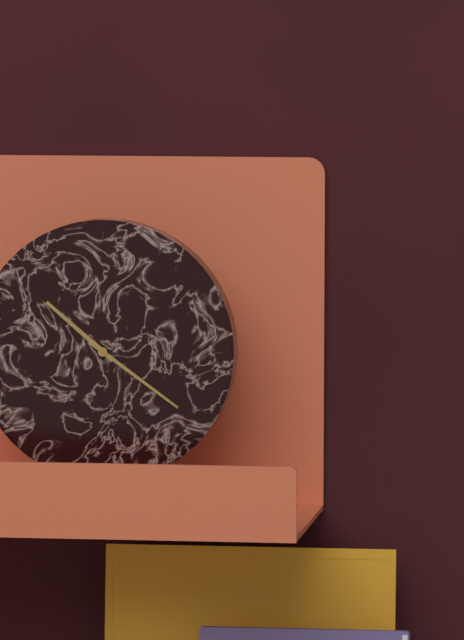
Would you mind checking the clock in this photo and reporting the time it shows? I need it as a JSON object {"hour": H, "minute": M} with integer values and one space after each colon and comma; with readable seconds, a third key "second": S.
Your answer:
{"hour": 10, "minute": 21}
